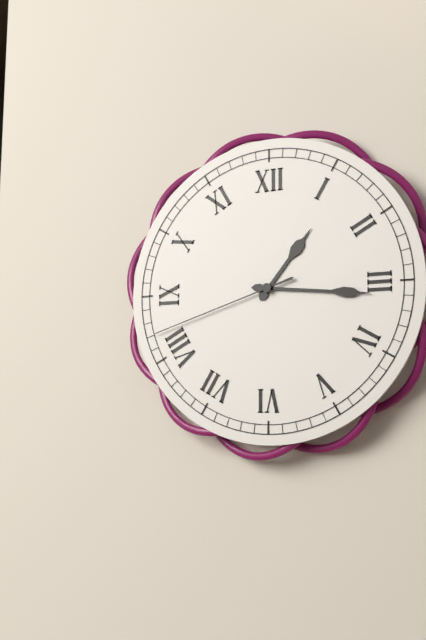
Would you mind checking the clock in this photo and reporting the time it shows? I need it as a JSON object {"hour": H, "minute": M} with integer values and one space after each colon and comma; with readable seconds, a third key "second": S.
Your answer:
{"hour": 1, "minute": 16, "second": 42}
